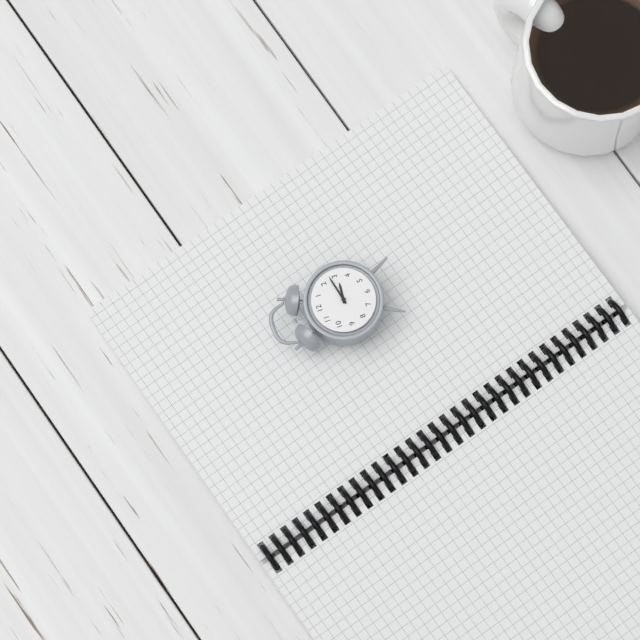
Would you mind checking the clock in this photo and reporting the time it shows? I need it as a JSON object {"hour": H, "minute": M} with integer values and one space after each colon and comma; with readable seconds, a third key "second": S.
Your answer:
{"hour": 3, "minute": 13}
